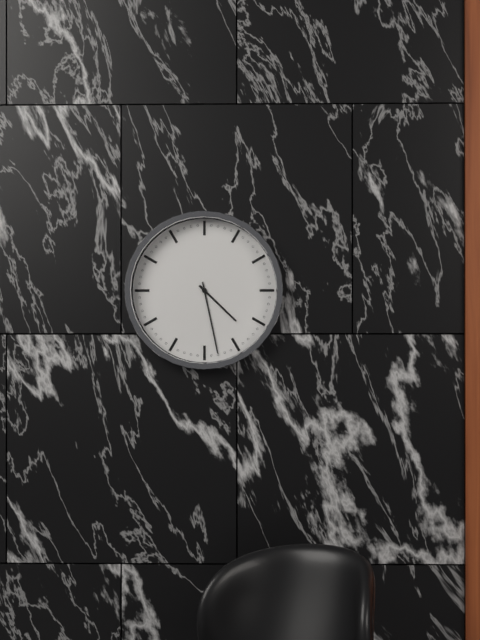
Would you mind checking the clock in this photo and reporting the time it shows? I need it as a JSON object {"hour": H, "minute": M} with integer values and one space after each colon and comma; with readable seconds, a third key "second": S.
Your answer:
{"hour": 4, "minute": 28}
